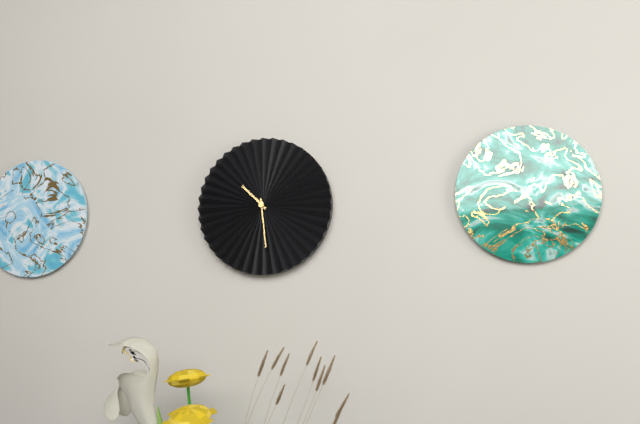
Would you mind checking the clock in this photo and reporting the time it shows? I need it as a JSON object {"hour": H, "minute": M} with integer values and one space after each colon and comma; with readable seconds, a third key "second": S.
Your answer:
{"hour": 10, "minute": 29}
